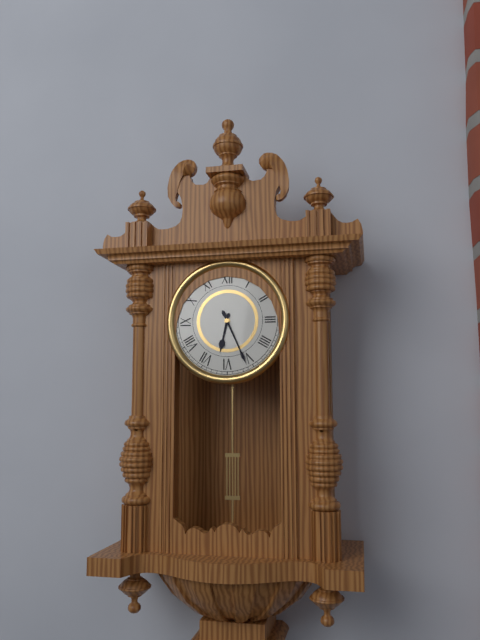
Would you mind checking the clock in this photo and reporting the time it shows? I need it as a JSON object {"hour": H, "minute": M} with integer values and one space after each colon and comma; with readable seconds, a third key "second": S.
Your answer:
{"hour": 6, "minute": 26}
